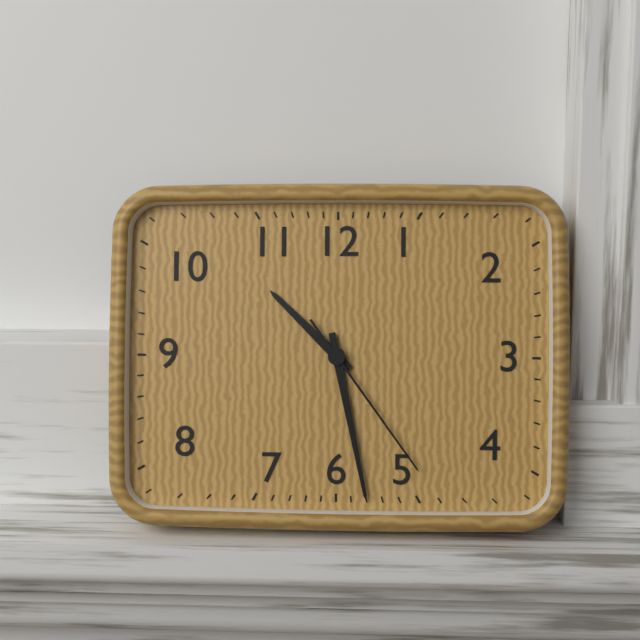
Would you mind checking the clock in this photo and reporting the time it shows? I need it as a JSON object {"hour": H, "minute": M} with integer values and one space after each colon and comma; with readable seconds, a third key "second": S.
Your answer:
{"hour": 10, "minute": 28, "second": 24}
